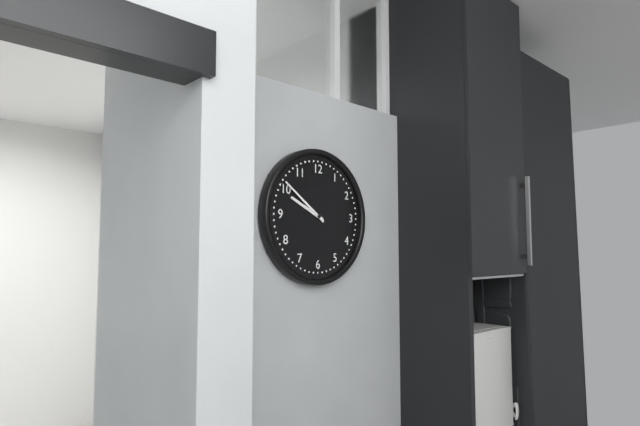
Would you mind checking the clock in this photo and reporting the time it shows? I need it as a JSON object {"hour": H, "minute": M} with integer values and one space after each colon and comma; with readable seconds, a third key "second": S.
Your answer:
{"hour": 9, "minute": 51}
